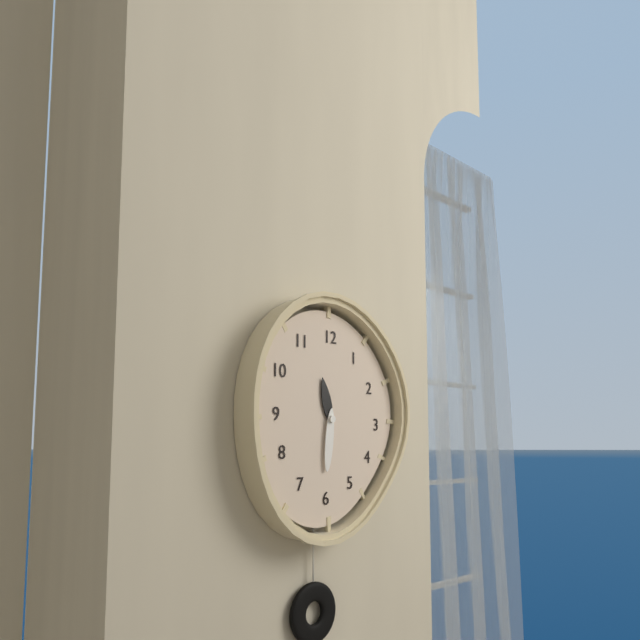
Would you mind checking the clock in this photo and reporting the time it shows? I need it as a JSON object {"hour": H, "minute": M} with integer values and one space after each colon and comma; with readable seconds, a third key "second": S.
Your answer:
{"hour": 11, "minute": 31}
